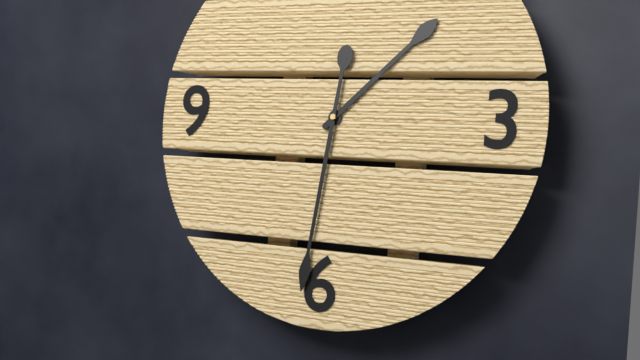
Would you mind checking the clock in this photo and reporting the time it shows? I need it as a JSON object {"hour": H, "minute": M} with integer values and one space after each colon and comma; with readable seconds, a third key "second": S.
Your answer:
{"hour": 1, "minute": 31}
